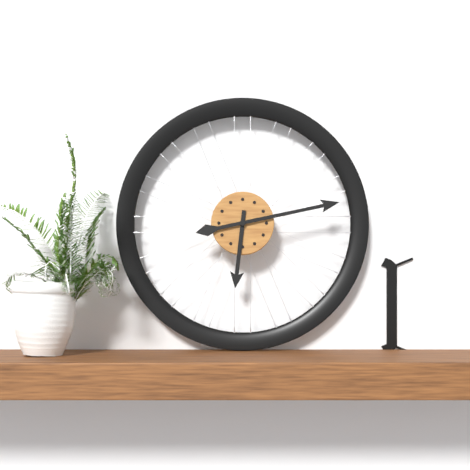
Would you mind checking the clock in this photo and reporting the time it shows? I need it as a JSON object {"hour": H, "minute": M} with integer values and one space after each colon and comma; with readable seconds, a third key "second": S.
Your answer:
{"hour": 6, "minute": 13}
